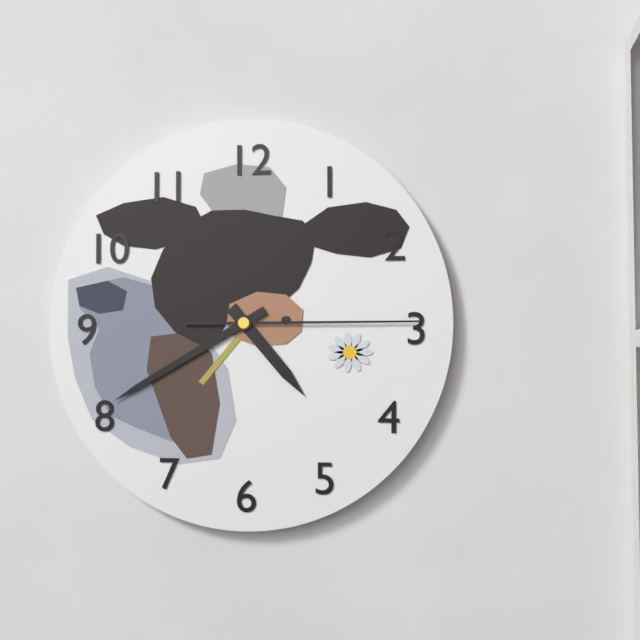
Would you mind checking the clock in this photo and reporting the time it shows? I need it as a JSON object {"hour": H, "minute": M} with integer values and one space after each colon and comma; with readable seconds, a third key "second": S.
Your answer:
{"hour": 4, "minute": 40, "second": 15}
